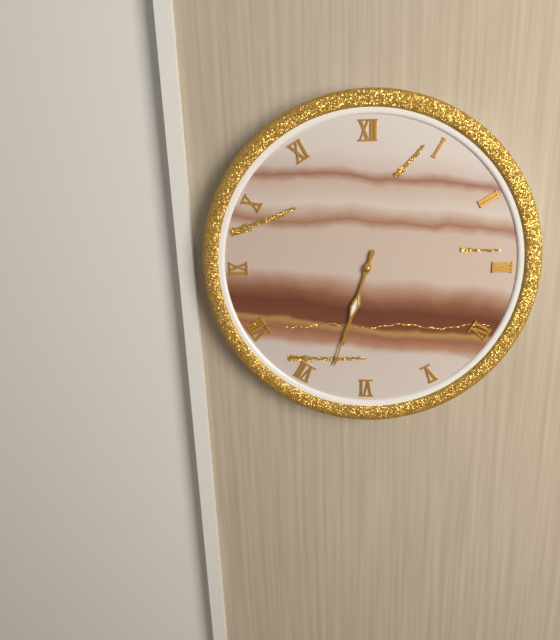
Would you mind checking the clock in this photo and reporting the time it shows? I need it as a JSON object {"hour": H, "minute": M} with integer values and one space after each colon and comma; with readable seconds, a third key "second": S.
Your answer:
{"hour": 6, "minute": 33}
